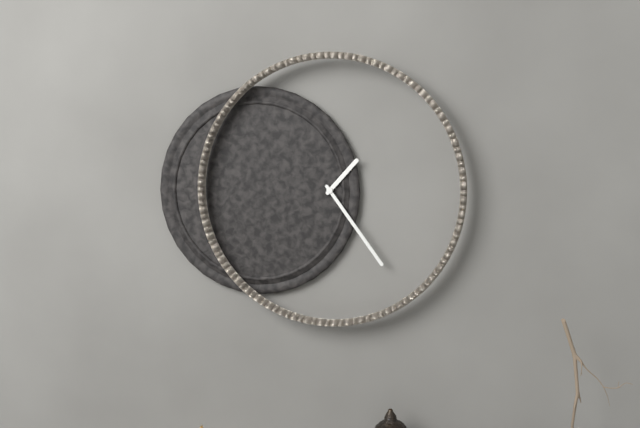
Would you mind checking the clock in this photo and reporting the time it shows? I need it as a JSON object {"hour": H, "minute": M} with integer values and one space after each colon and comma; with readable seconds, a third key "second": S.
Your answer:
{"hour": 1, "minute": 24}
